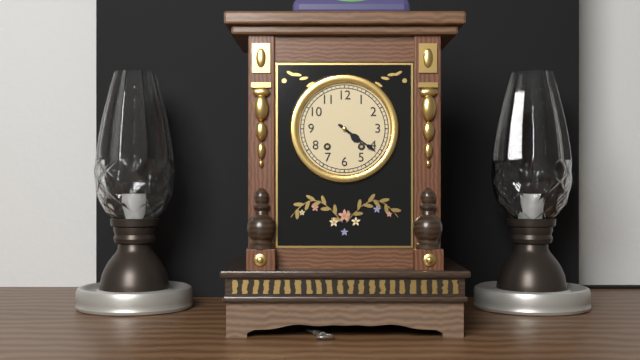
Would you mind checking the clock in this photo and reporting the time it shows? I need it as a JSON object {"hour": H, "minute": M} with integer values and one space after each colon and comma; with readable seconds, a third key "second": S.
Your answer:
{"hour": 4, "minute": 21}
